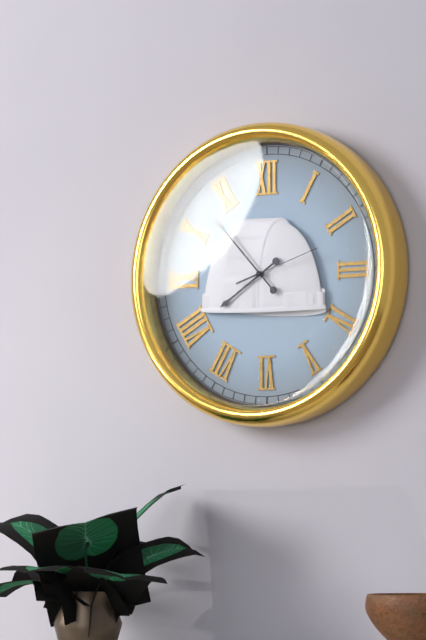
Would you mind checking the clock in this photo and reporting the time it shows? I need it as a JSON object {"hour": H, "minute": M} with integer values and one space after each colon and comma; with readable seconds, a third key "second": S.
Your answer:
{"hour": 7, "minute": 53, "second": 12}
